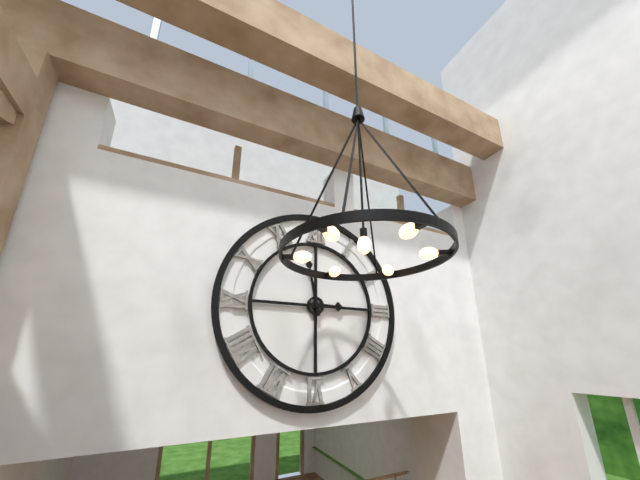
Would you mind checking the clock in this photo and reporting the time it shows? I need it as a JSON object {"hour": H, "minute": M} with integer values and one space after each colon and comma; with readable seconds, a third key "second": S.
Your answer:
{"hour": 2, "minute": 58}
